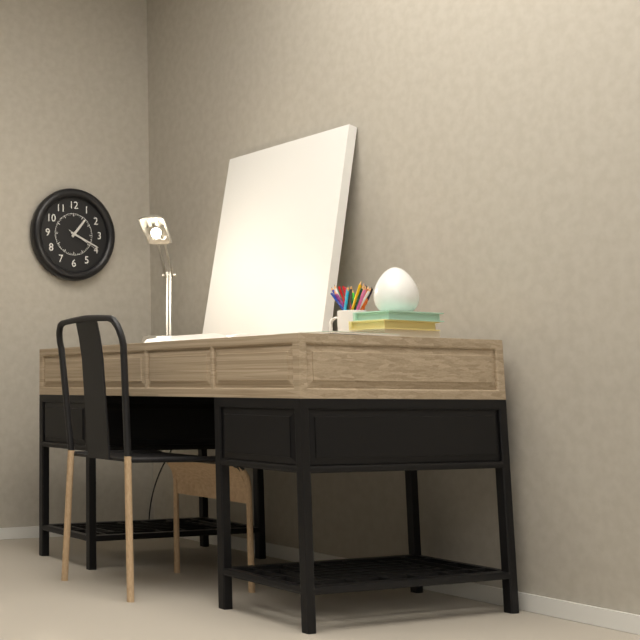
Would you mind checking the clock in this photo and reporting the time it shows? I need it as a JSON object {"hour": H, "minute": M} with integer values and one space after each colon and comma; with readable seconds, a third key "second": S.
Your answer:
{"hour": 1, "minute": 19}
